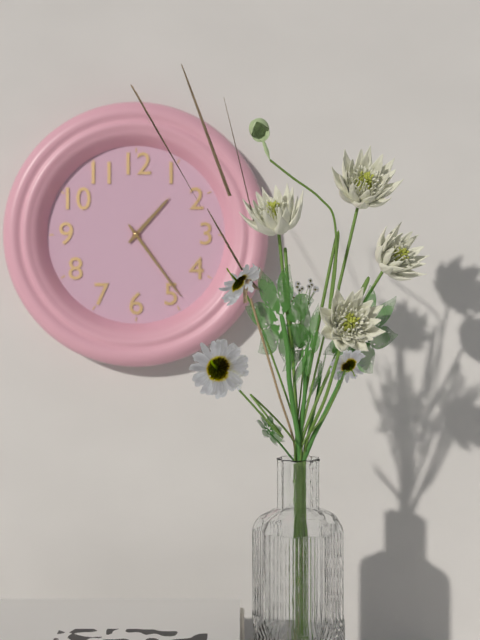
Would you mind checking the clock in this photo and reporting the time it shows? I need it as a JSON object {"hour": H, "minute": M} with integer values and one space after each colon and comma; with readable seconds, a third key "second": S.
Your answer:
{"hour": 1, "minute": 24}
